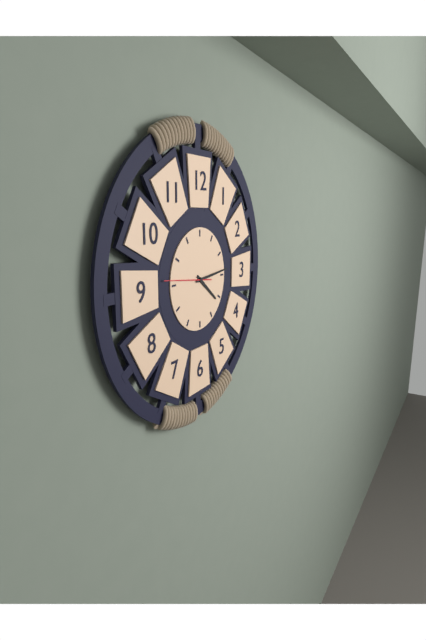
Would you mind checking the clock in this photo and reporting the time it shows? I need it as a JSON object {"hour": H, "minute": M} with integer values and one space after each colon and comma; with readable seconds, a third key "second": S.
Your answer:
{"hour": 4, "minute": 14}
